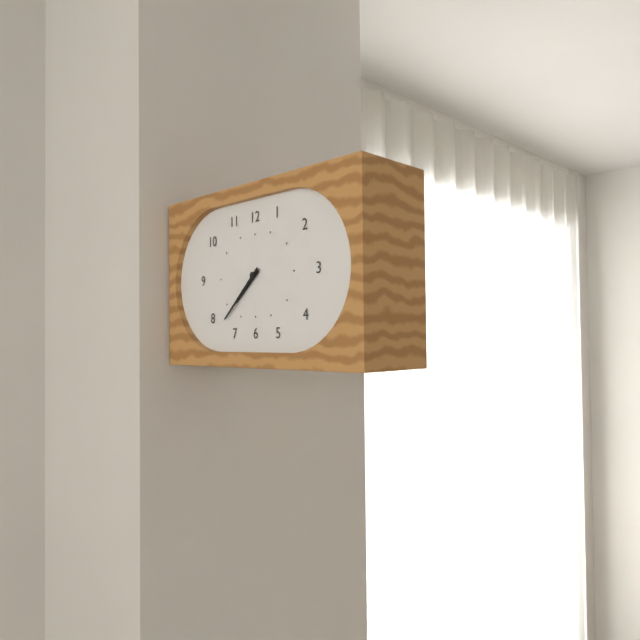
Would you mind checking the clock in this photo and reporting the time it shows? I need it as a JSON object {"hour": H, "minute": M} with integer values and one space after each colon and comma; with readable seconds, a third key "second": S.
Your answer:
{"hour": 7, "minute": 38}
